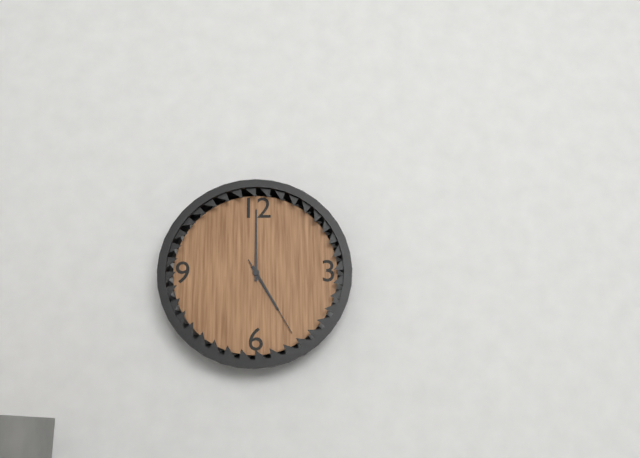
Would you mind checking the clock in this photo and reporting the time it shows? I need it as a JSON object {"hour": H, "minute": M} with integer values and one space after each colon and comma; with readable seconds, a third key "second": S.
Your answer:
{"hour": 5, "minute": 0, "second": 25}
